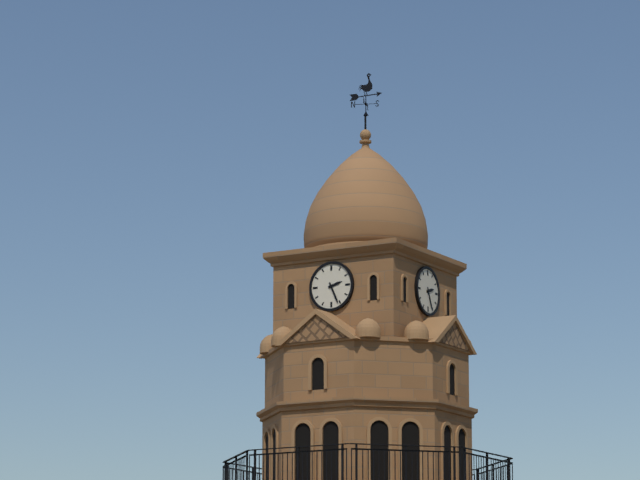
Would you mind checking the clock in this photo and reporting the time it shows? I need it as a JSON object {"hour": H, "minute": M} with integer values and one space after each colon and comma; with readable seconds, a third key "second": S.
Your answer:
{"hour": 2, "minute": 26}
